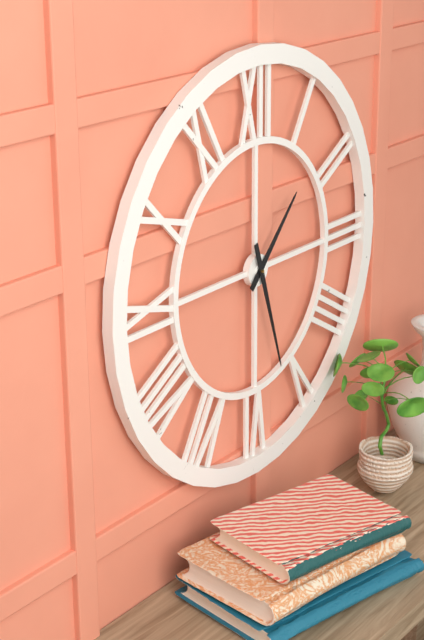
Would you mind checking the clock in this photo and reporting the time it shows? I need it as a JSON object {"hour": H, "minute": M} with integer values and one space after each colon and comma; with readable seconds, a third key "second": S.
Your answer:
{"hour": 1, "minute": 27}
